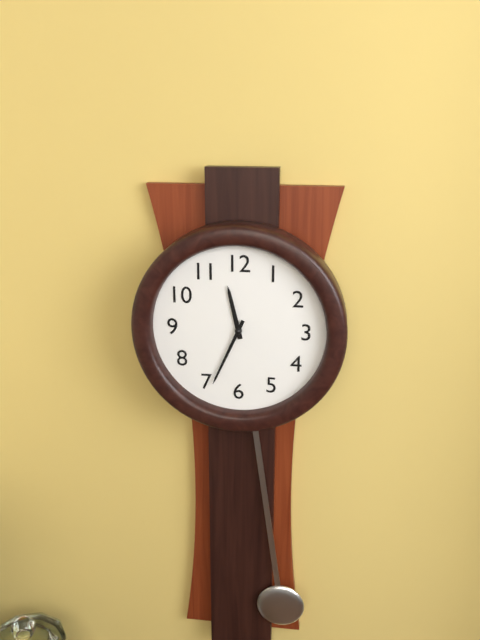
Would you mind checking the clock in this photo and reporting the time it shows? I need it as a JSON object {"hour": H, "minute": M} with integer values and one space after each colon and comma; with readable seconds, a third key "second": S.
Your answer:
{"hour": 11, "minute": 34}
